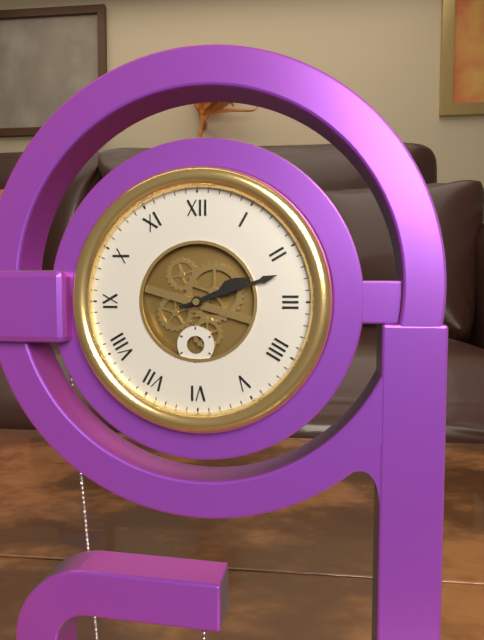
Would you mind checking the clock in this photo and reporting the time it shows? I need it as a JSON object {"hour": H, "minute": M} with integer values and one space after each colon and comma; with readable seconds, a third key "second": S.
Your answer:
{"hour": 2, "minute": 12}
